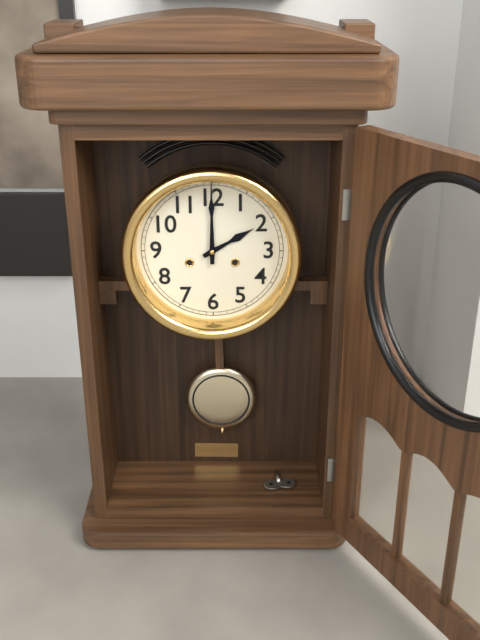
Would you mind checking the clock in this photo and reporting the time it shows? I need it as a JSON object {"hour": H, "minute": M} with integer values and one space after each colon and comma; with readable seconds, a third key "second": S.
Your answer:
{"hour": 2, "minute": 0}
